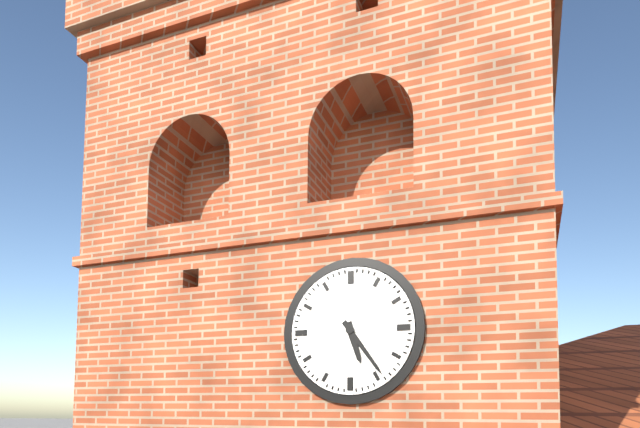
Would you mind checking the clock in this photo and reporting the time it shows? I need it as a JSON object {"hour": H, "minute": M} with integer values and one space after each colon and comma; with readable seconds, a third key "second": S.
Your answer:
{"hour": 5, "minute": 24}
